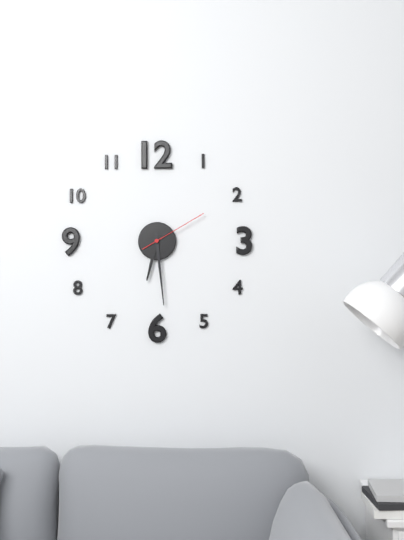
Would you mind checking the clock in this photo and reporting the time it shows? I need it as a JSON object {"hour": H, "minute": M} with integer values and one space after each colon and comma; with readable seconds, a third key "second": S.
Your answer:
{"hour": 6, "minute": 29, "second": 10}
